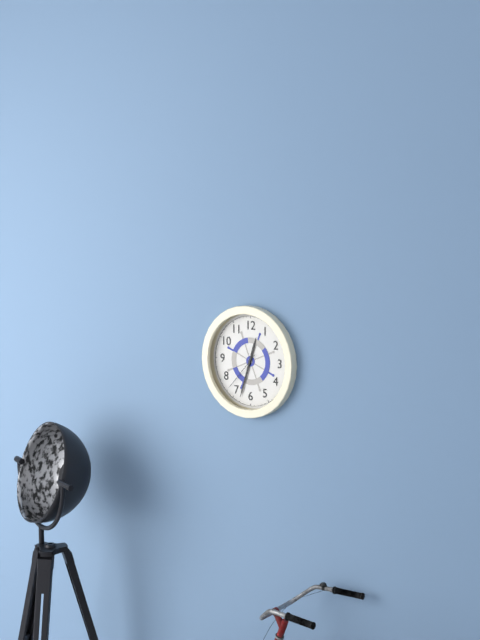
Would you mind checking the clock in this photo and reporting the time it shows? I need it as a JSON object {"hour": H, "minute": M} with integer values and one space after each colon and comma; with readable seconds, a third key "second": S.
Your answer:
{"hour": 12, "minute": 33}
